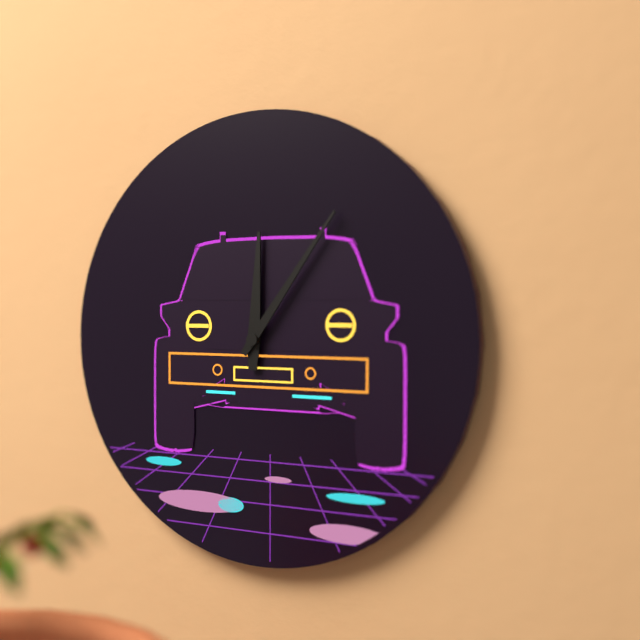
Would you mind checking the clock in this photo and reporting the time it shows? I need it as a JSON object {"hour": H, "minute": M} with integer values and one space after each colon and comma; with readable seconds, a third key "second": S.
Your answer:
{"hour": 12, "minute": 6}
